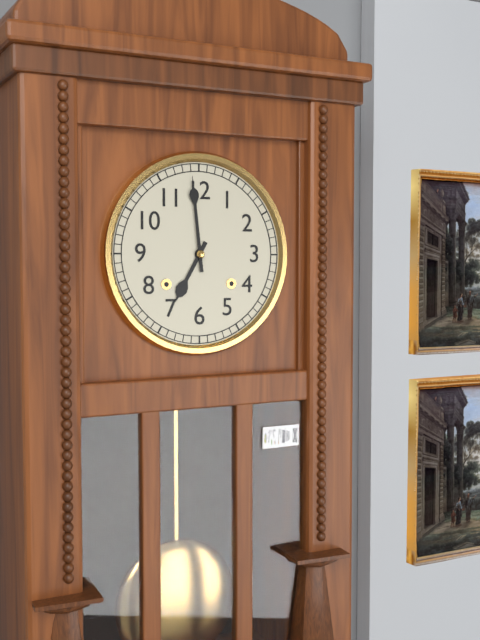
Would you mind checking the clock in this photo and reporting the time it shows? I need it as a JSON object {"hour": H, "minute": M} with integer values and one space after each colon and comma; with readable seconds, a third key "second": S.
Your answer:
{"hour": 6, "minute": 59}
